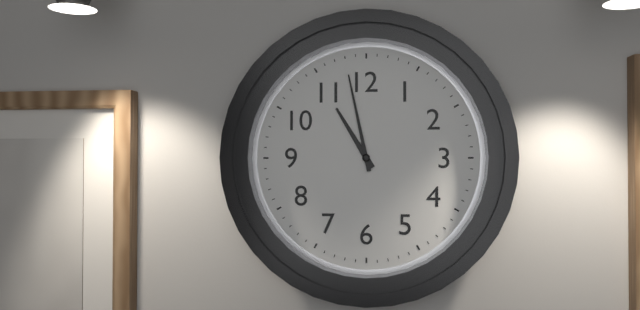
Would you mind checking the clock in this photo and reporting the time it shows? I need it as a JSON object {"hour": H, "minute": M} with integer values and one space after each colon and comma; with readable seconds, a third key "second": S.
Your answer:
{"hour": 10, "minute": 58}
